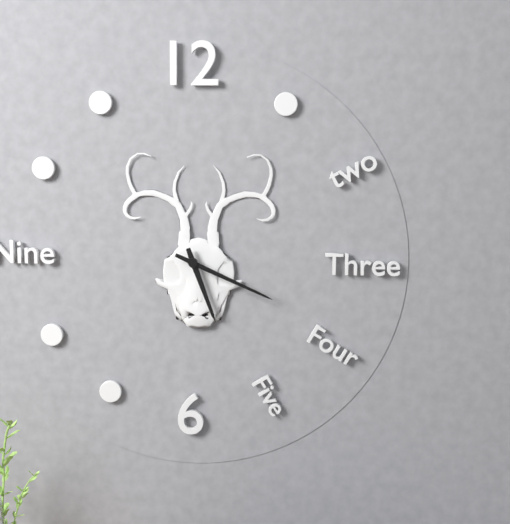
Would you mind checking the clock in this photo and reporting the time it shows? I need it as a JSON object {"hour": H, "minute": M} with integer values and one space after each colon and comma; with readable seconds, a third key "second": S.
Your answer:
{"hour": 5, "minute": 19}
